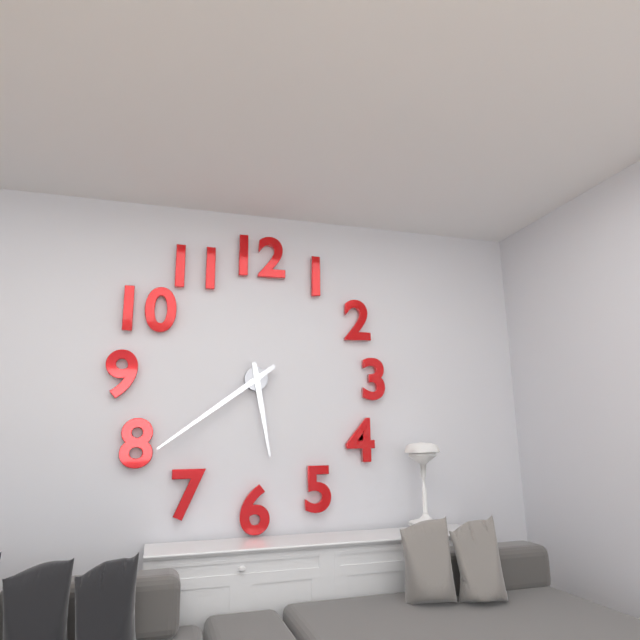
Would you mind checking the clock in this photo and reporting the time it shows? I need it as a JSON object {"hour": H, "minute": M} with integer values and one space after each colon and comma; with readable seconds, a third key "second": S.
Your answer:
{"hour": 5, "minute": 39}
